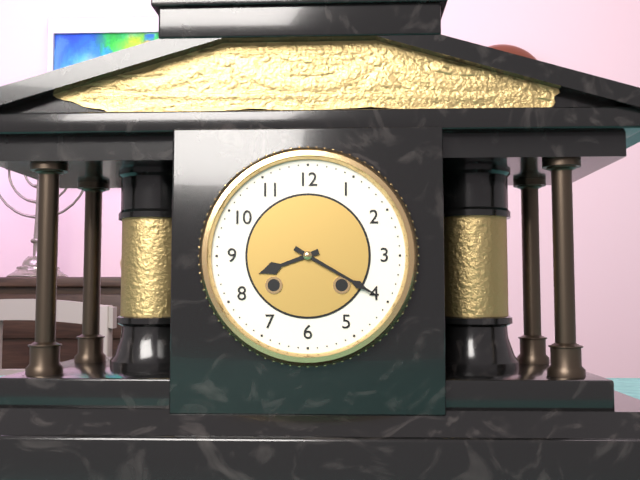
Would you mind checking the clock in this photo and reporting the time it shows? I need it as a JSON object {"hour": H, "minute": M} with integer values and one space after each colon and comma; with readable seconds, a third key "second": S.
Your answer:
{"hour": 8, "minute": 20}
